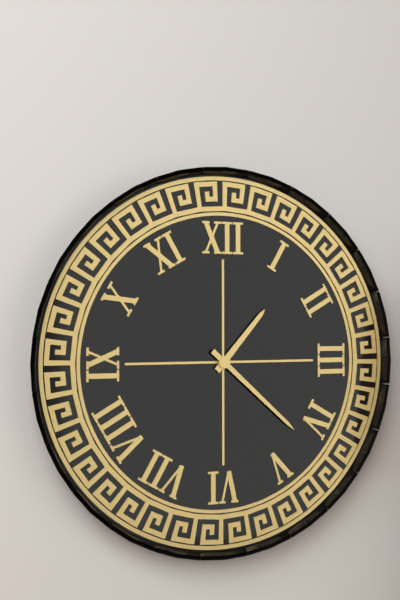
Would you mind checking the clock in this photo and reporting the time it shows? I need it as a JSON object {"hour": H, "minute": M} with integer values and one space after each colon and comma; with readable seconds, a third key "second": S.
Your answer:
{"hour": 1, "minute": 22}
